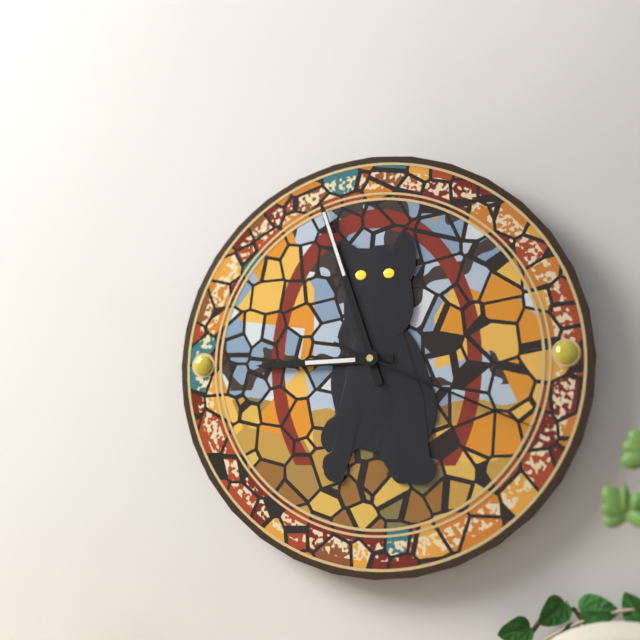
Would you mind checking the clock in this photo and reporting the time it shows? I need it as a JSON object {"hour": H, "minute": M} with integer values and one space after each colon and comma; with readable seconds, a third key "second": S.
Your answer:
{"hour": 8, "minute": 57, "second": 19}
